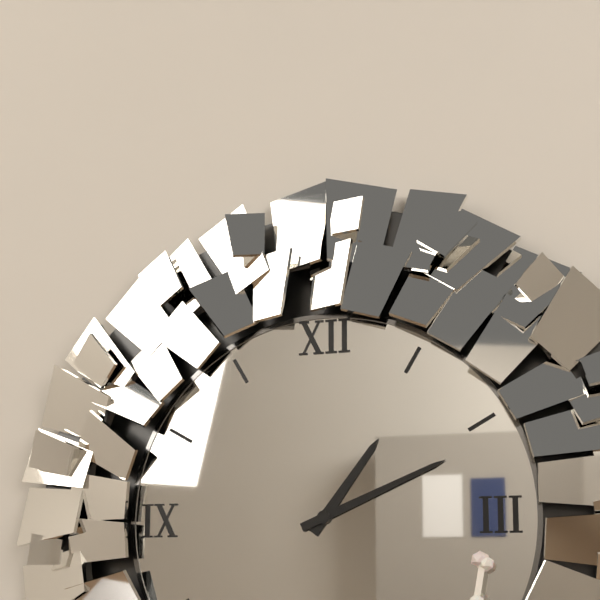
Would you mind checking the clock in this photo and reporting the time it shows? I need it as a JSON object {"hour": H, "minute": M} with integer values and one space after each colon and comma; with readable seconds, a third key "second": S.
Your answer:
{"hour": 1, "minute": 11}
